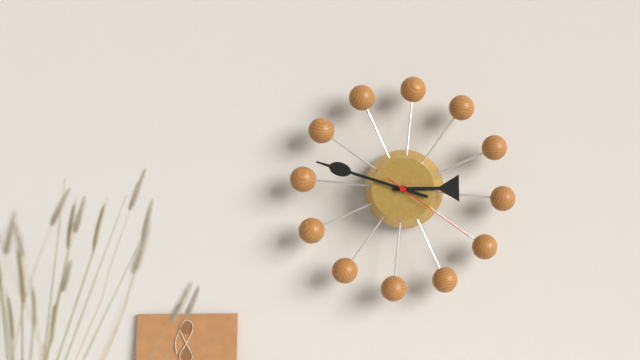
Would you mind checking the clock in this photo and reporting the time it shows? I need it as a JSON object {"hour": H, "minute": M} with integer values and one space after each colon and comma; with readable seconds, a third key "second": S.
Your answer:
{"hour": 2, "minute": 47, "second": 20}
